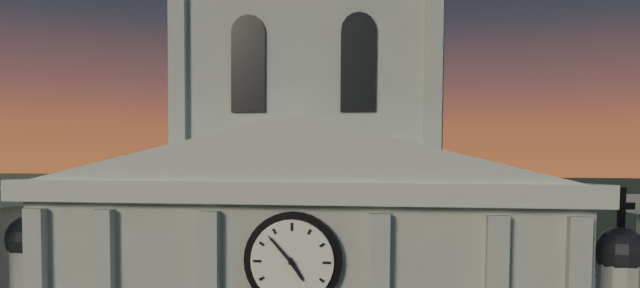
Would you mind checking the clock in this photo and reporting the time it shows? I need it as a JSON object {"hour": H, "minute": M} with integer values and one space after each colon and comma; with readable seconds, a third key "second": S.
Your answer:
{"hour": 4, "minute": 53}
